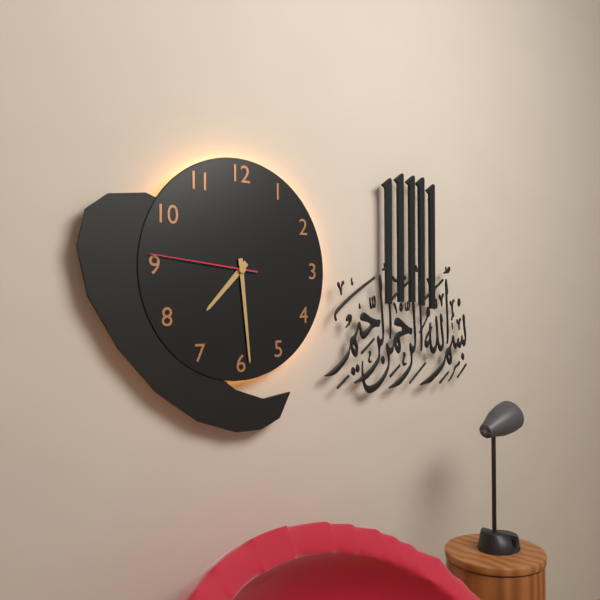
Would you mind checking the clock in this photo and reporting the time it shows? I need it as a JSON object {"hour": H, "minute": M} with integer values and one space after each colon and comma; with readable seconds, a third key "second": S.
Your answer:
{"hour": 7, "minute": 29, "second": 46}
